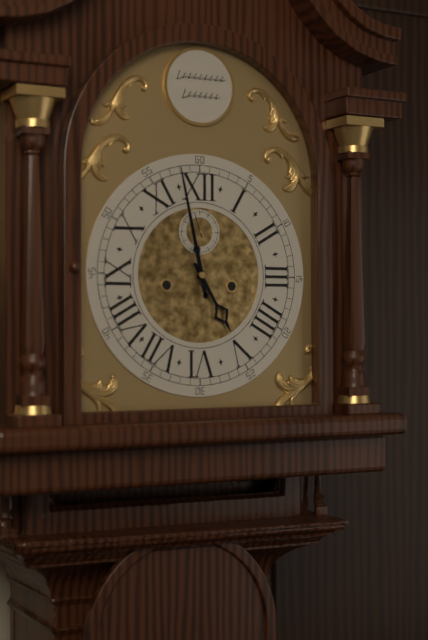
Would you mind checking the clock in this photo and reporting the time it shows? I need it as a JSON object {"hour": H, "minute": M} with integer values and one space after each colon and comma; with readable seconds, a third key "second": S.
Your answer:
{"hour": 4, "minute": 58, "second": 57}
